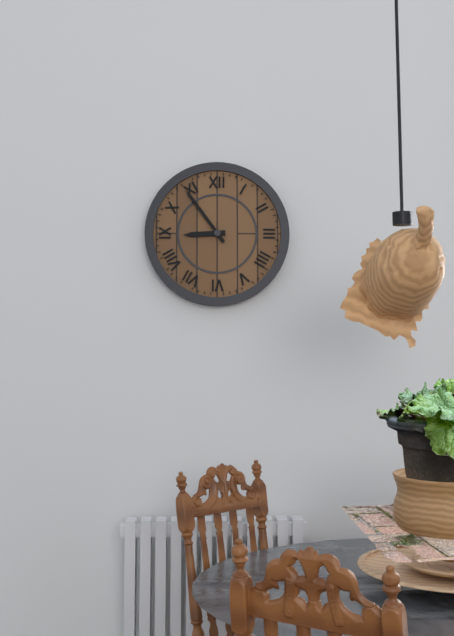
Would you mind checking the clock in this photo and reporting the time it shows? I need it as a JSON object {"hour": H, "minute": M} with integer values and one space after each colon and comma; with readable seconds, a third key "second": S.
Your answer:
{"hour": 8, "minute": 54}
